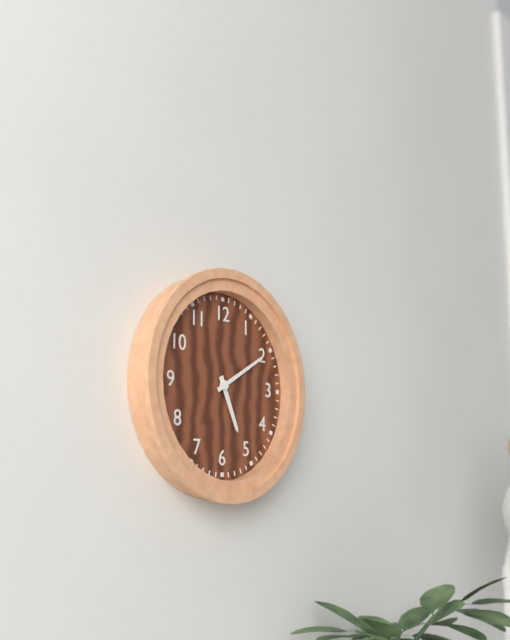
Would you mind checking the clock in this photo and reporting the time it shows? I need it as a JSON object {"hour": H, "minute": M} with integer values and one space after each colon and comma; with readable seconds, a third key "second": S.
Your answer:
{"hour": 5, "minute": 10}
